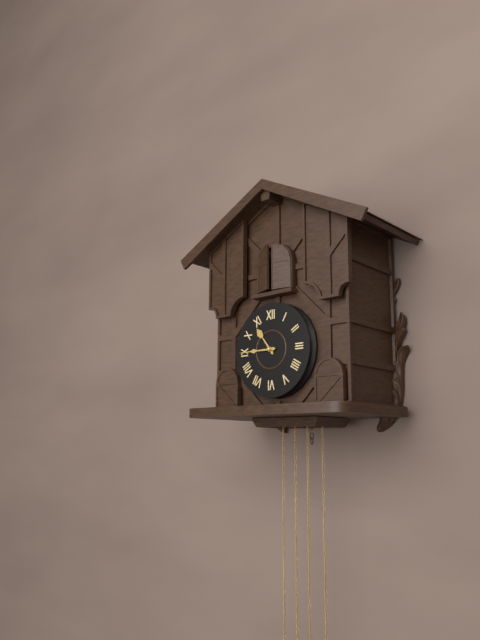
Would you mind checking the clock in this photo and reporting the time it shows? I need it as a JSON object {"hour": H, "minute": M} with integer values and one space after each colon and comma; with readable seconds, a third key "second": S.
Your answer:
{"hour": 10, "minute": 45}
